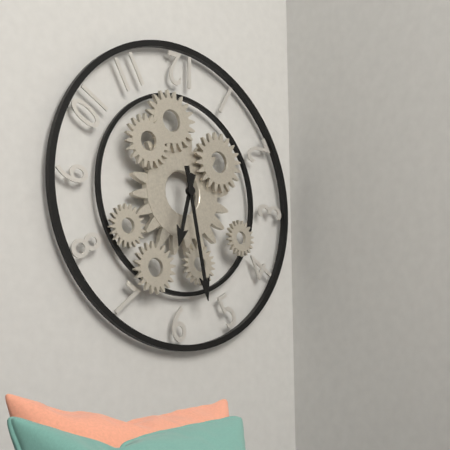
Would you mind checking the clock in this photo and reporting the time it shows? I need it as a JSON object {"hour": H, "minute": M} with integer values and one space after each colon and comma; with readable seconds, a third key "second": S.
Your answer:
{"hour": 6, "minute": 28}
